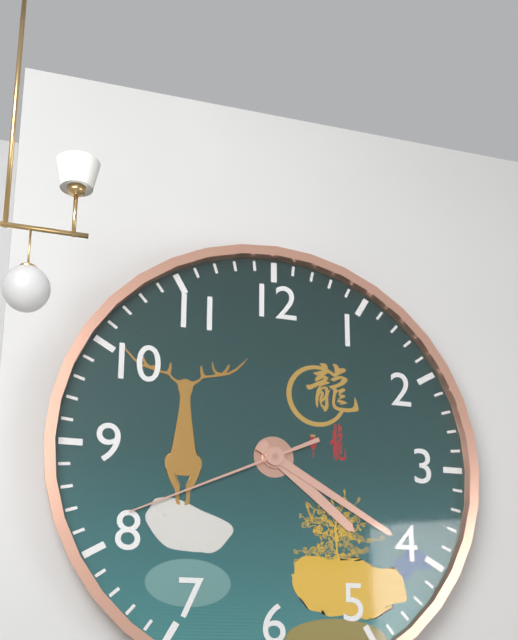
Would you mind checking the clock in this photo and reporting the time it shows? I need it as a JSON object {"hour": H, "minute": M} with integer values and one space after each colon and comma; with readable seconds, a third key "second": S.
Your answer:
{"hour": 4, "minute": 20, "second": 41}
